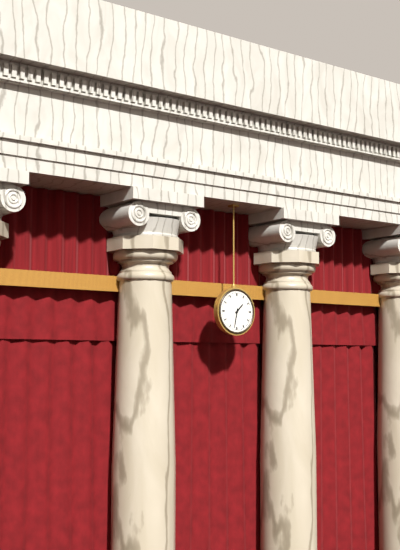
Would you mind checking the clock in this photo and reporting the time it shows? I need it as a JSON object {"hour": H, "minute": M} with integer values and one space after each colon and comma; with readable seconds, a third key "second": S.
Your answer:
{"hour": 1, "minute": 32}
